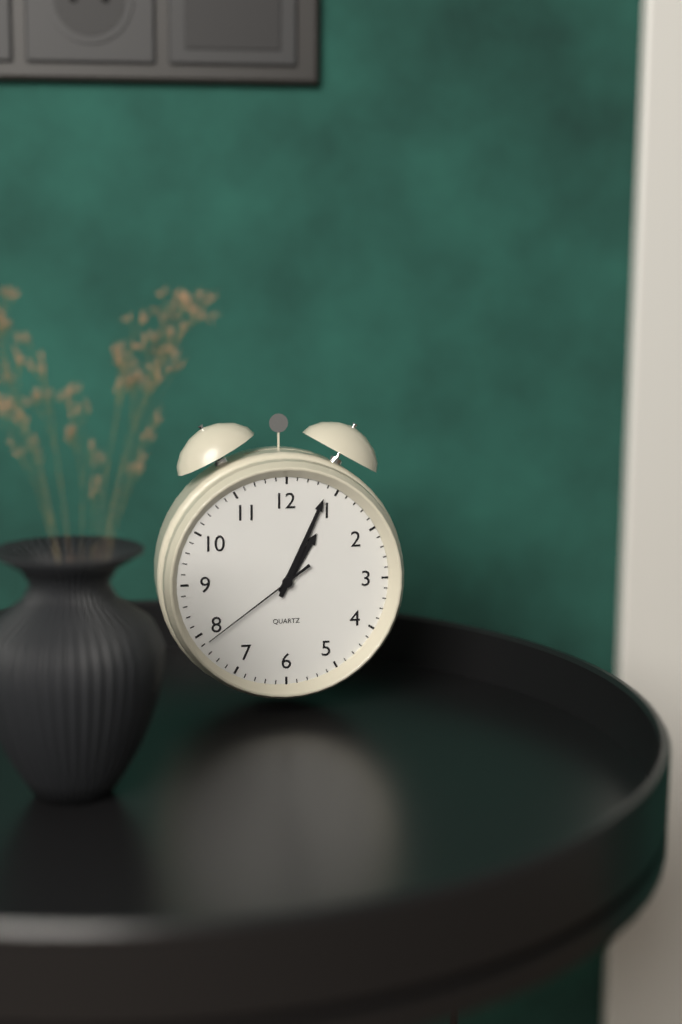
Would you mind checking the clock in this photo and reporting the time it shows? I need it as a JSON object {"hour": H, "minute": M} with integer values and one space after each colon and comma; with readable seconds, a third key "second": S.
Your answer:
{"hour": 1, "minute": 4, "second": 39}
